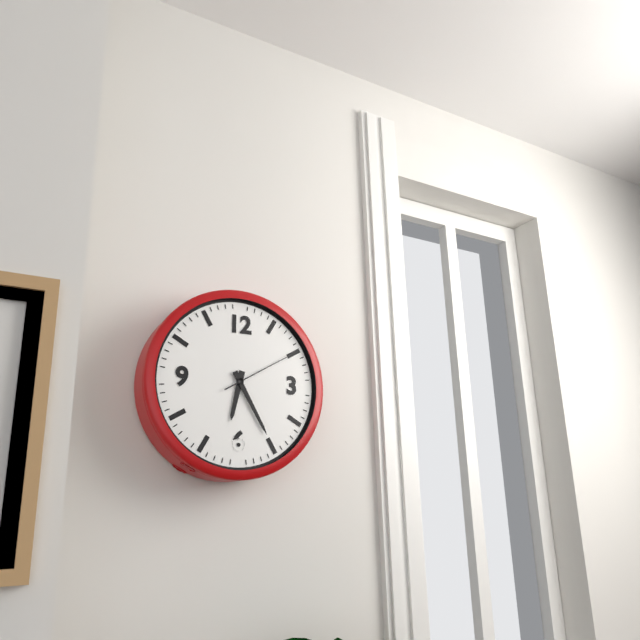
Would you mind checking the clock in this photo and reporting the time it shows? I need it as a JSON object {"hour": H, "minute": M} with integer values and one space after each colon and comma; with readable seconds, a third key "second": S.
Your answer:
{"hour": 6, "minute": 25, "second": 10}
